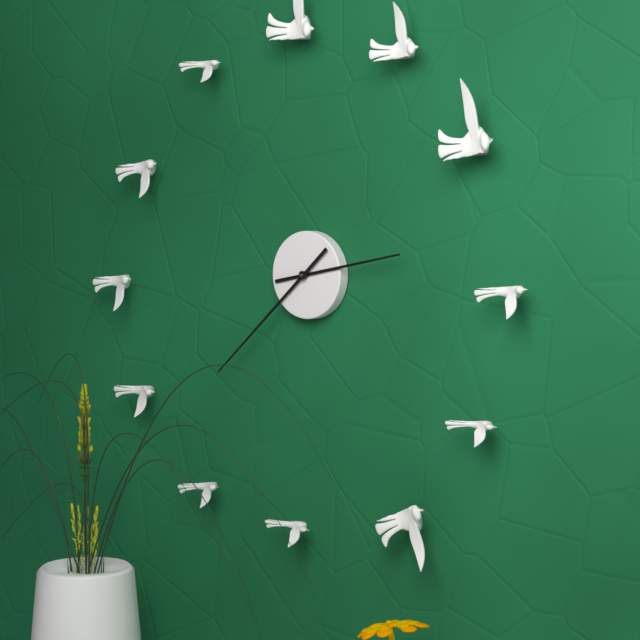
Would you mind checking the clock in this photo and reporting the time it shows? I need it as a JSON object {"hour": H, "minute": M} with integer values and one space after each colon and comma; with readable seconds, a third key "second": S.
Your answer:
{"hour": 2, "minute": 38}
